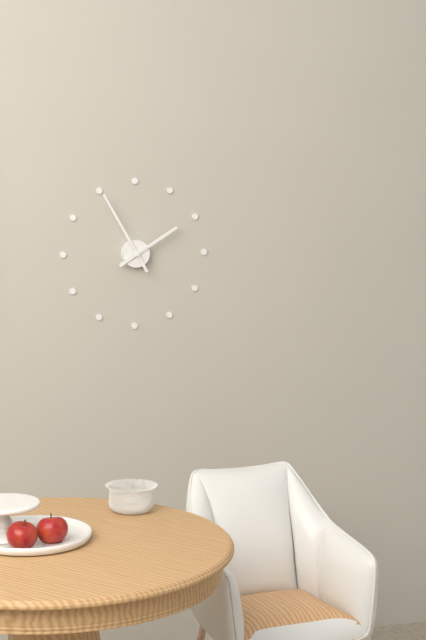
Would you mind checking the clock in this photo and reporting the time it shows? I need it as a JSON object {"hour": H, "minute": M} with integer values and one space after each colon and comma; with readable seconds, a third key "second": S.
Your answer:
{"hour": 1, "minute": 55}
